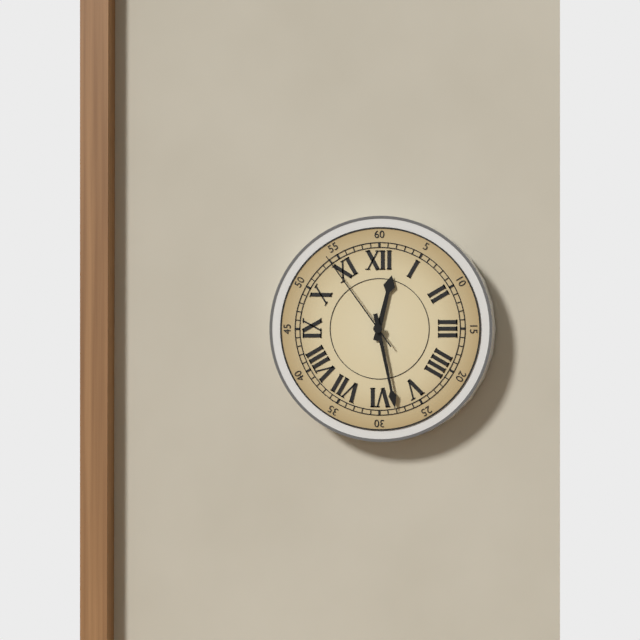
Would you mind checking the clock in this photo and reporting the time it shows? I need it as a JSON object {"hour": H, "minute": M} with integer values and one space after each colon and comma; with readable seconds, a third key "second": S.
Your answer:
{"hour": 12, "minute": 28, "second": 54}
